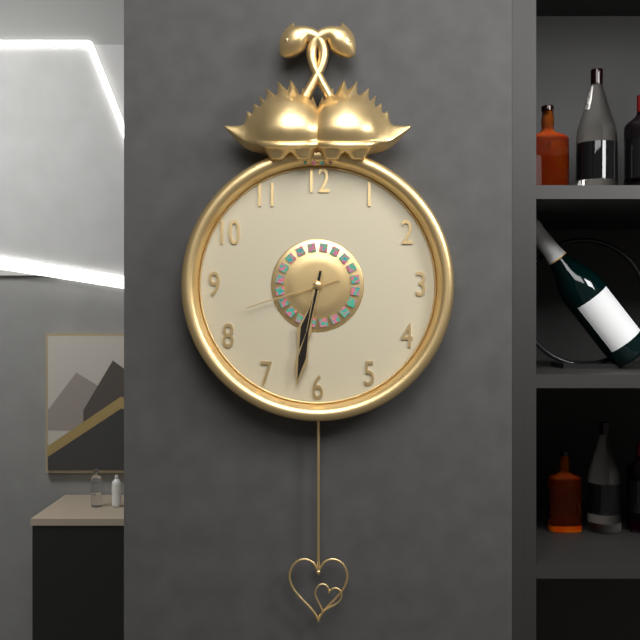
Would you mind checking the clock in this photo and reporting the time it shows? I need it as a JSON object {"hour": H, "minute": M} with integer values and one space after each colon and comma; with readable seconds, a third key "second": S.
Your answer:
{"hour": 6, "minute": 32, "second": 42}
